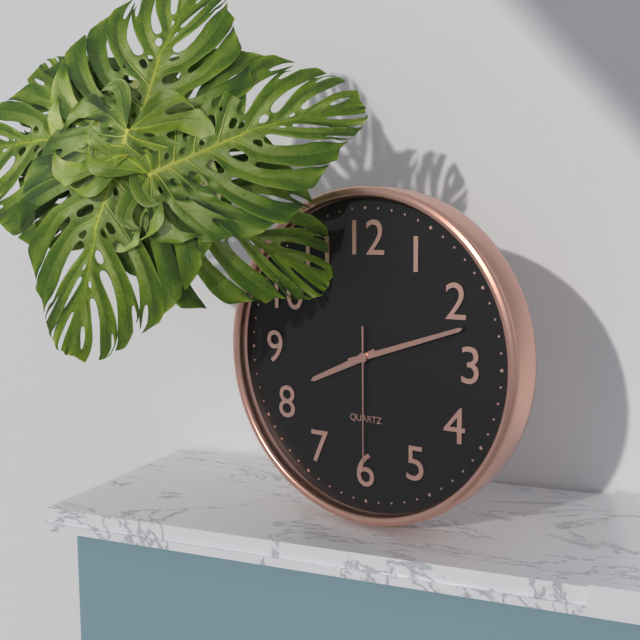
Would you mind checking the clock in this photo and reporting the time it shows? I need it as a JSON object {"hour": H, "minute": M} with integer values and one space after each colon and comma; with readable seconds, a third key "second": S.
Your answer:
{"hour": 8, "minute": 12, "second": 30}
